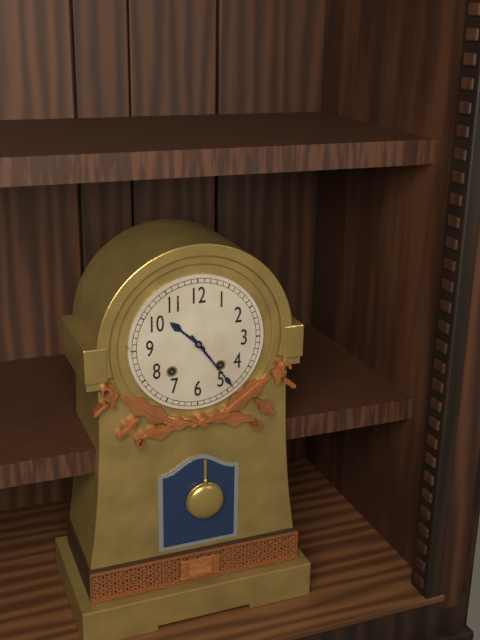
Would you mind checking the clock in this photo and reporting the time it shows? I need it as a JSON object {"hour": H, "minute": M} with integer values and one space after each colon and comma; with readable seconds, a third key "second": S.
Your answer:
{"hour": 10, "minute": 24}
